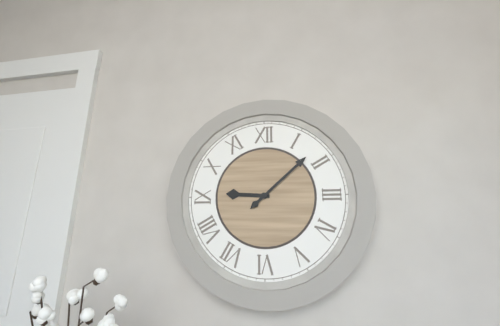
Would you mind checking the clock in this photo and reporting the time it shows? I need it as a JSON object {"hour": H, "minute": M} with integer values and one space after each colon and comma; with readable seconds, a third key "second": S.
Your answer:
{"hour": 9, "minute": 8}
